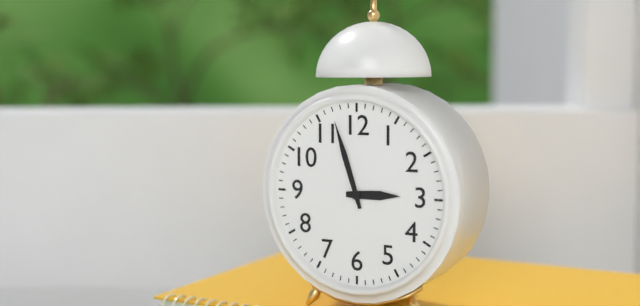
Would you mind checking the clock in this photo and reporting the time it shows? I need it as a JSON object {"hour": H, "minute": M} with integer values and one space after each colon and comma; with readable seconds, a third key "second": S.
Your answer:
{"hour": 2, "minute": 57}
